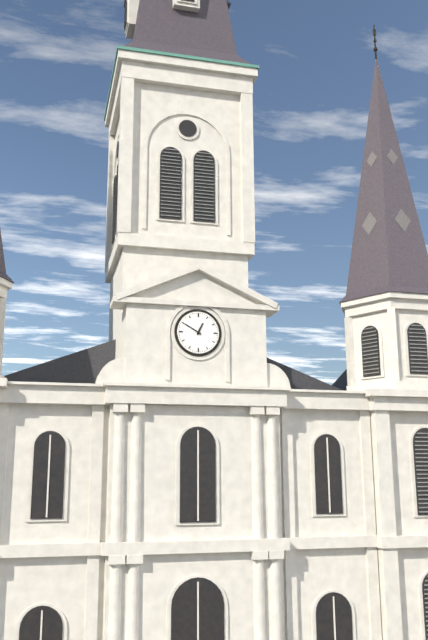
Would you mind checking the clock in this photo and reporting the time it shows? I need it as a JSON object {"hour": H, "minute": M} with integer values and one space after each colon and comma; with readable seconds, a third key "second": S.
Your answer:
{"hour": 12, "minute": 50}
